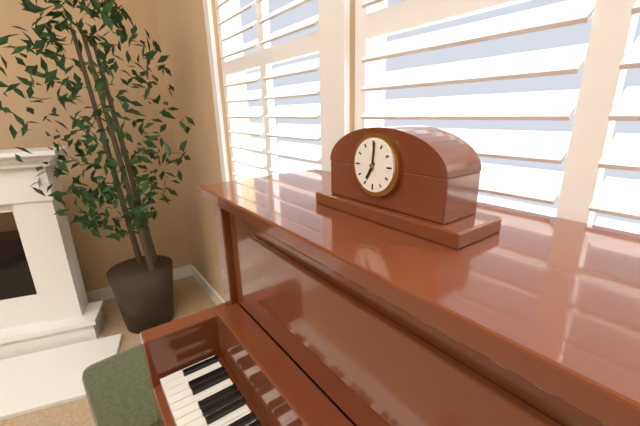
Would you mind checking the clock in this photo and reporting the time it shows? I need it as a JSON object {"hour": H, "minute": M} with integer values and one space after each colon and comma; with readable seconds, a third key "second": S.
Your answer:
{"hour": 7, "minute": 1}
